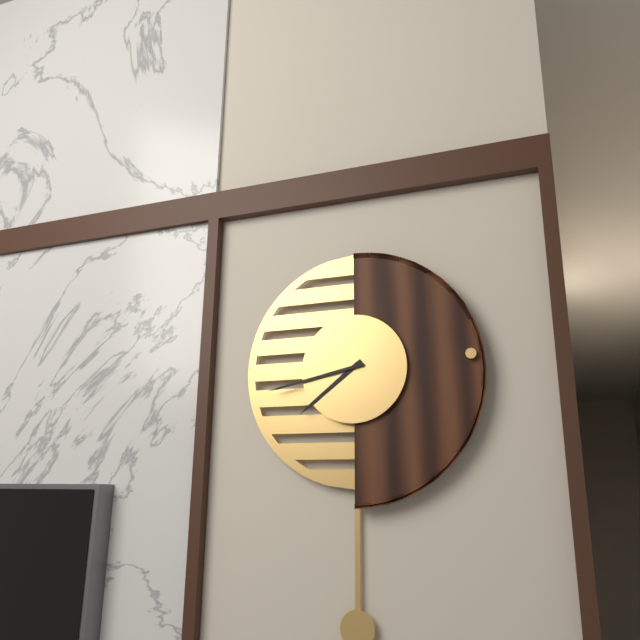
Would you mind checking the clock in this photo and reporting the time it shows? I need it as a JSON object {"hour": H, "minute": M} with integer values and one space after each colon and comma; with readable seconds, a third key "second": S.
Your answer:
{"hour": 7, "minute": 43}
